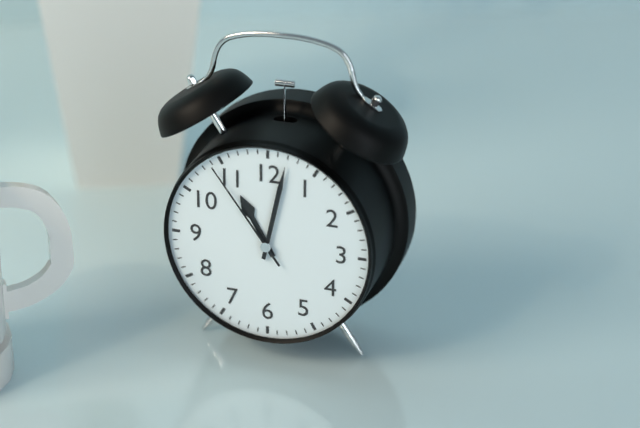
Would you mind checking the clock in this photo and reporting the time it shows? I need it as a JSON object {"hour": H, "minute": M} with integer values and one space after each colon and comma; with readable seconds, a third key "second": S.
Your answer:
{"hour": 11, "minute": 2, "second": 54}
